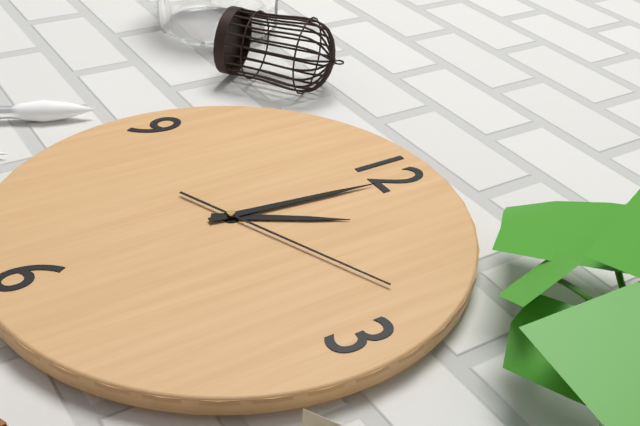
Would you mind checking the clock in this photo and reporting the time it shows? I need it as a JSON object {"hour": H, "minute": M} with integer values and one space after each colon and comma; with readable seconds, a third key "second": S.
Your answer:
{"hour": 1, "minute": 1, "second": 11}
